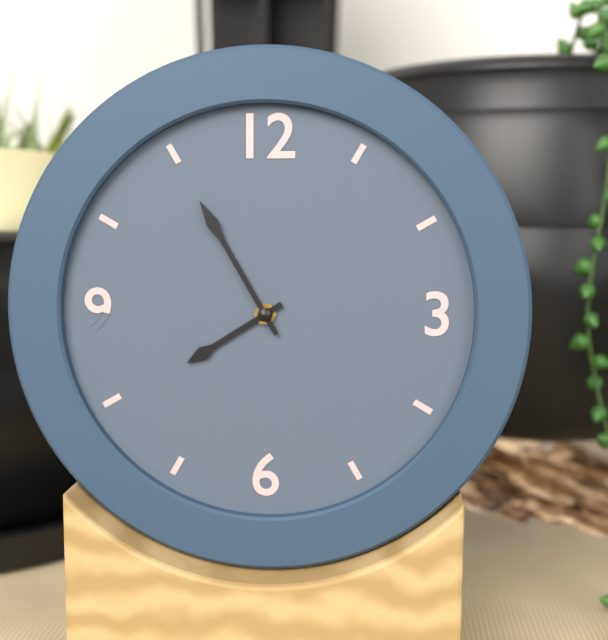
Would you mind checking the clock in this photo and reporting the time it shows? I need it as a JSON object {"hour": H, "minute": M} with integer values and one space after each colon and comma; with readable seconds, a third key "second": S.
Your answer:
{"hour": 7, "minute": 55}
